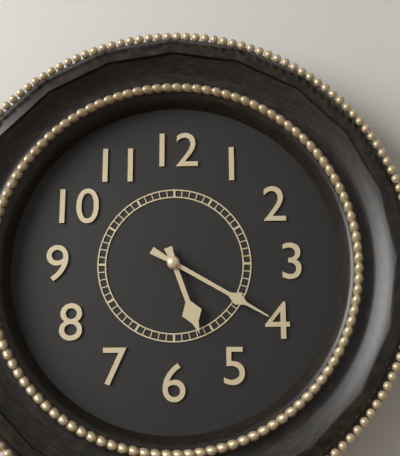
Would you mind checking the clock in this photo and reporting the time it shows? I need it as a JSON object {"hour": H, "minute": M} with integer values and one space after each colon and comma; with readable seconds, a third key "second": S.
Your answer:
{"hour": 5, "minute": 20}
